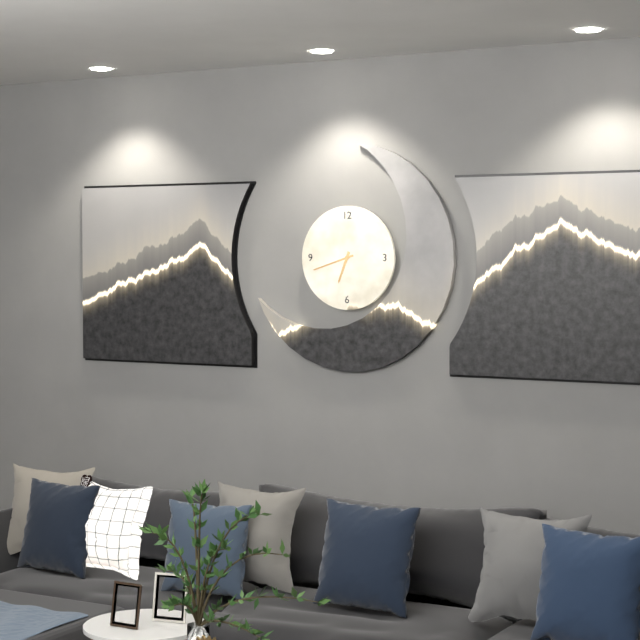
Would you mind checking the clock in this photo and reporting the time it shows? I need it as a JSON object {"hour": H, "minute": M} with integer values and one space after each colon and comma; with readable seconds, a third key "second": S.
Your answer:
{"hour": 6, "minute": 42}
